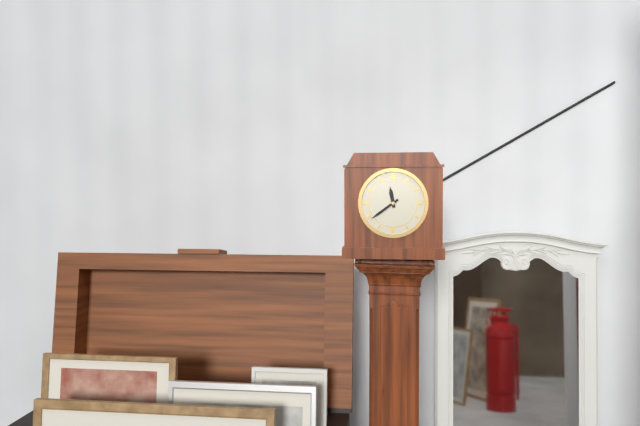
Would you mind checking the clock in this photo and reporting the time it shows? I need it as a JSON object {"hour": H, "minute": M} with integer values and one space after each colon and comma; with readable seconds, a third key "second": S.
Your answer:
{"hour": 11, "minute": 39}
